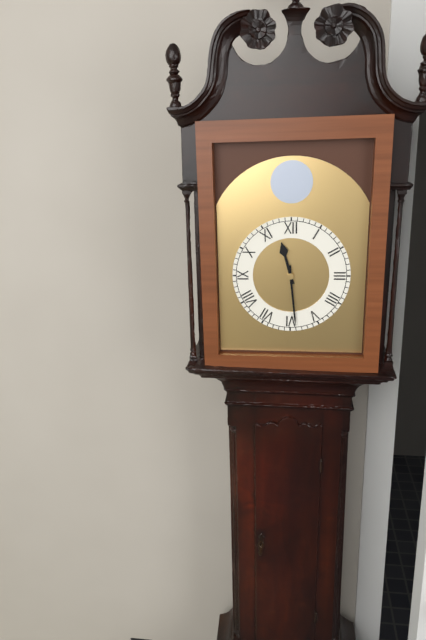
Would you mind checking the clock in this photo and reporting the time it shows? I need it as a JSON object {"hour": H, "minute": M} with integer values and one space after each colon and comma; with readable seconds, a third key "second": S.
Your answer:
{"hour": 11, "minute": 29}
